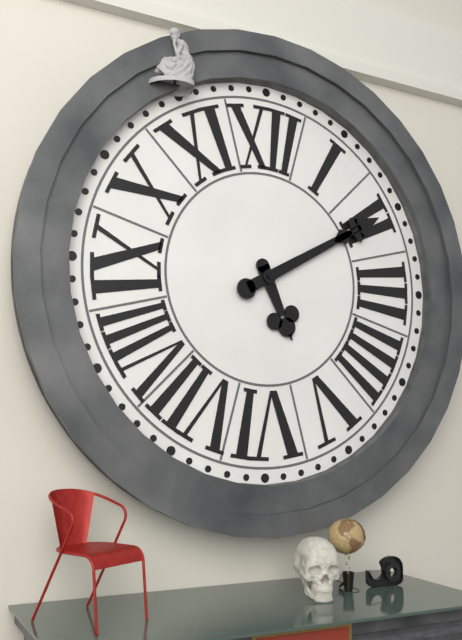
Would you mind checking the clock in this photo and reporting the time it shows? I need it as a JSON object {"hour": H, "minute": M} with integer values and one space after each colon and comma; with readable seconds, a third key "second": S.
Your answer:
{"hour": 5, "minute": 10}
